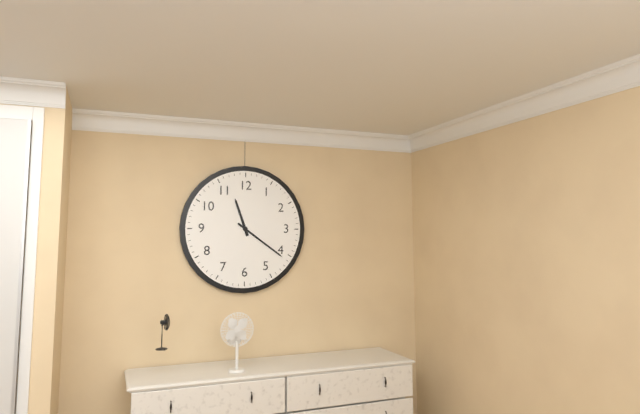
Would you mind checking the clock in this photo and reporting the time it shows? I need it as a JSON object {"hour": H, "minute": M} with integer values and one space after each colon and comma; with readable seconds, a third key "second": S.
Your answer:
{"hour": 11, "minute": 21}
